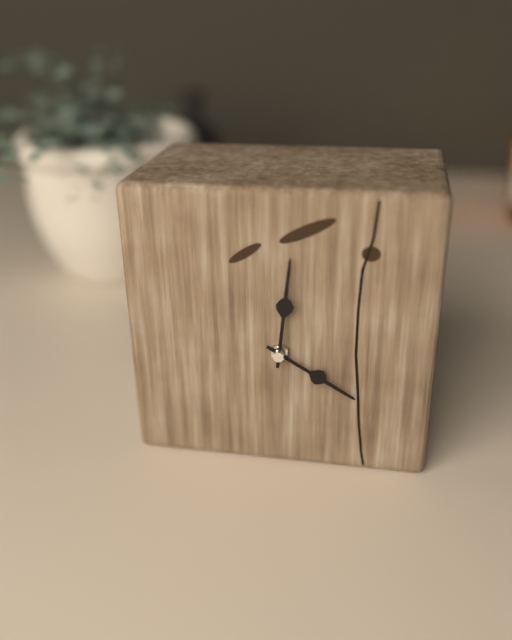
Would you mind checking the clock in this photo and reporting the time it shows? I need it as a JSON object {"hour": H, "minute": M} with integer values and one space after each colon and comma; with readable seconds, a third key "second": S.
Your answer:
{"hour": 4, "minute": 1}
